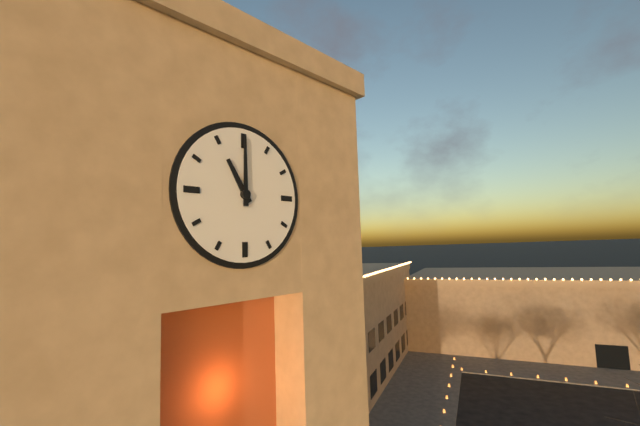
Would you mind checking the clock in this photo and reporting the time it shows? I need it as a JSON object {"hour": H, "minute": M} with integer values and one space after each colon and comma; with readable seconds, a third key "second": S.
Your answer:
{"hour": 11, "minute": 0}
